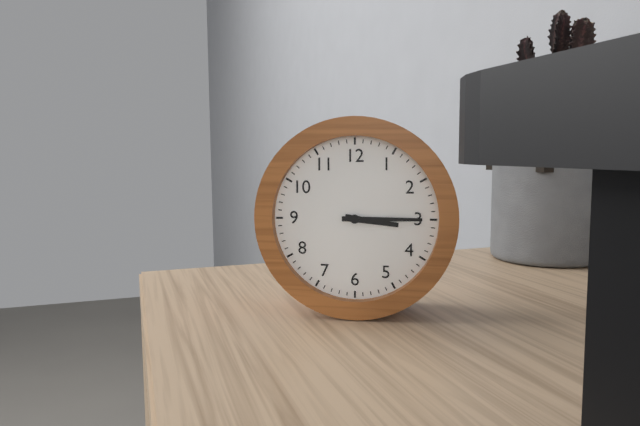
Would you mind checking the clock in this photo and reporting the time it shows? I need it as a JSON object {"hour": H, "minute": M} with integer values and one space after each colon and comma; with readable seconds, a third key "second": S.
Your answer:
{"hour": 3, "minute": 15}
